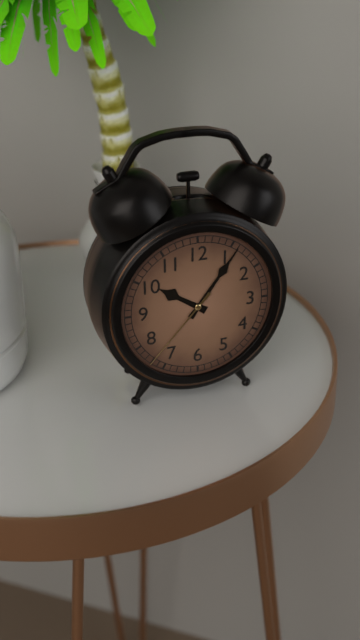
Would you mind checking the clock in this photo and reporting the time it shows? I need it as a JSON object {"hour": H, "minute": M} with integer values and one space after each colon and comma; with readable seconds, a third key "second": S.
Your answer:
{"hour": 10, "minute": 6, "second": 37}
